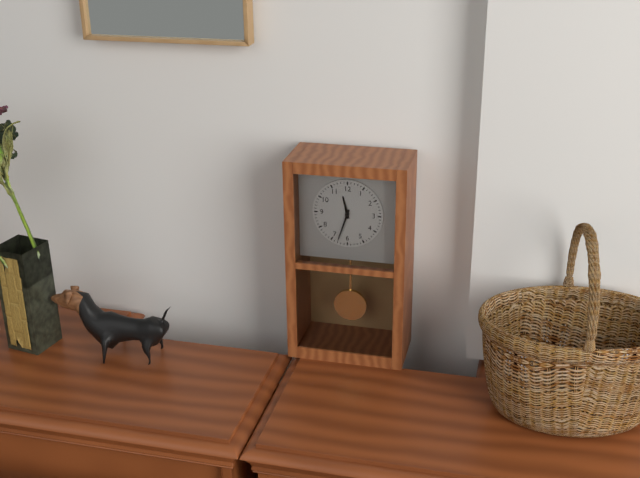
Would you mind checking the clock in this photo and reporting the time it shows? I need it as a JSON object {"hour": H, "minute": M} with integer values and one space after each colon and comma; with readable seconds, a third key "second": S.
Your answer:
{"hour": 11, "minute": 33}
